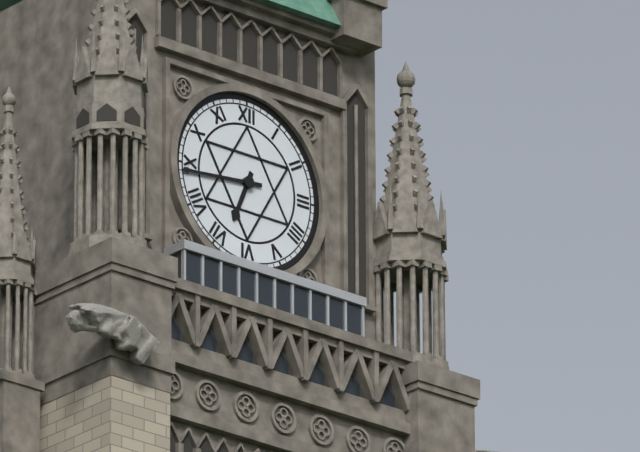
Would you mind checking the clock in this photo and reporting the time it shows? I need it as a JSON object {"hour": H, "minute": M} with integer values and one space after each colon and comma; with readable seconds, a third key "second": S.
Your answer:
{"hour": 6, "minute": 44}
